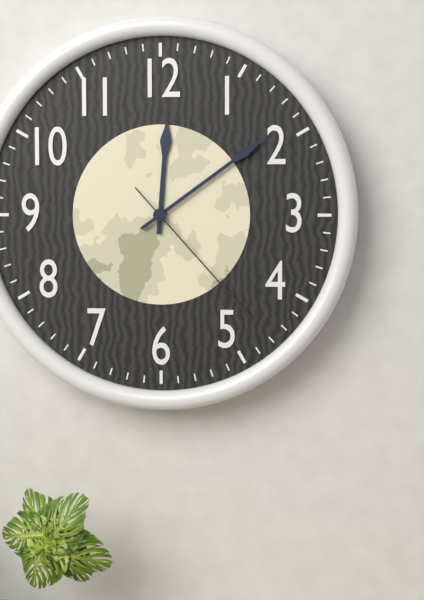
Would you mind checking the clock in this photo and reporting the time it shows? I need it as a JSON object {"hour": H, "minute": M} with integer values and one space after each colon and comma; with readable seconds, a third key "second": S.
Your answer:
{"hour": 12, "minute": 9, "second": 23}
